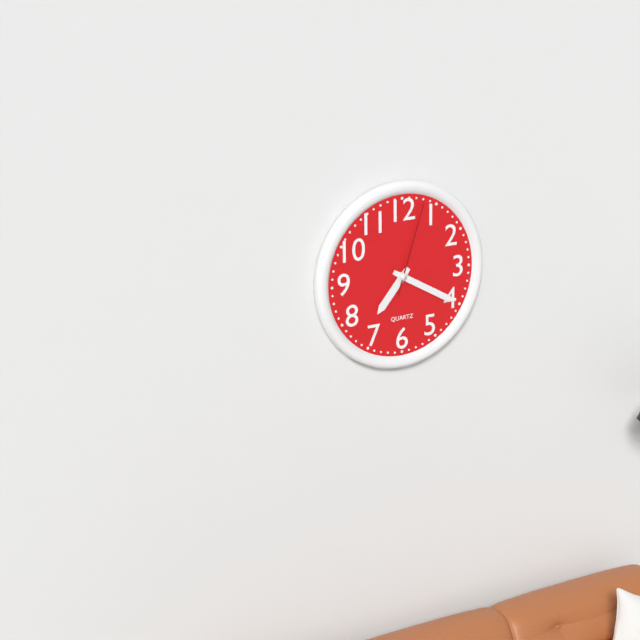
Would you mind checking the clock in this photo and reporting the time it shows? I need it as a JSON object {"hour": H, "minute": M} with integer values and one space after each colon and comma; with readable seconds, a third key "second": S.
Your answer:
{"hour": 7, "minute": 20, "second": 3}
